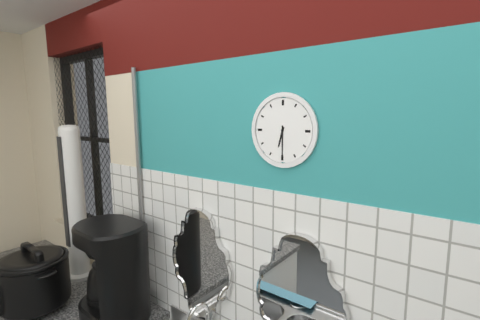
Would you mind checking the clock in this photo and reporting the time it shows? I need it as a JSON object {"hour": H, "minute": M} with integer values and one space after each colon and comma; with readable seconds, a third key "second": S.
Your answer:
{"hour": 6, "minute": 30}
